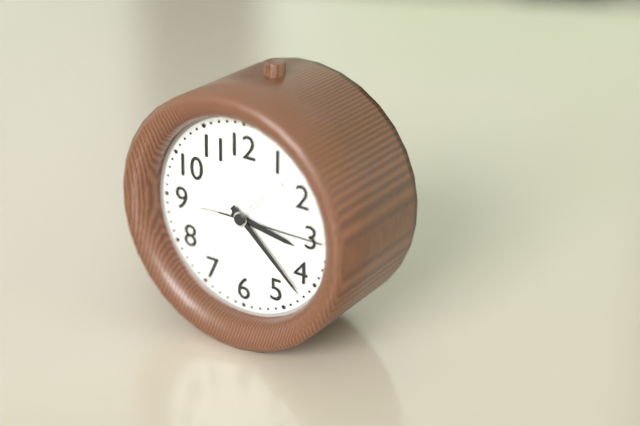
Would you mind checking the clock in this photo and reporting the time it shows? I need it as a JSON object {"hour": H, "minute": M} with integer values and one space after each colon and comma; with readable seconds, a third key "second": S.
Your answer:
{"hour": 3, "minute": 22, "second": 15}
